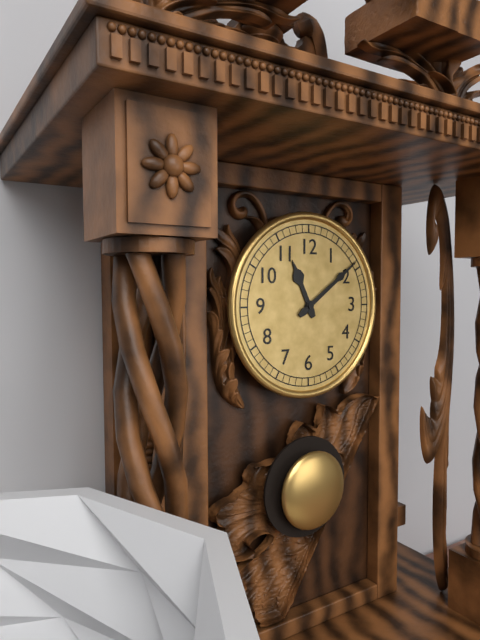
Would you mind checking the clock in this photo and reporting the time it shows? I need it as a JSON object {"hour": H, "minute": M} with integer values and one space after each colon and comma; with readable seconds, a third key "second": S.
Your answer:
{"hour": 11, "minute": 9}
